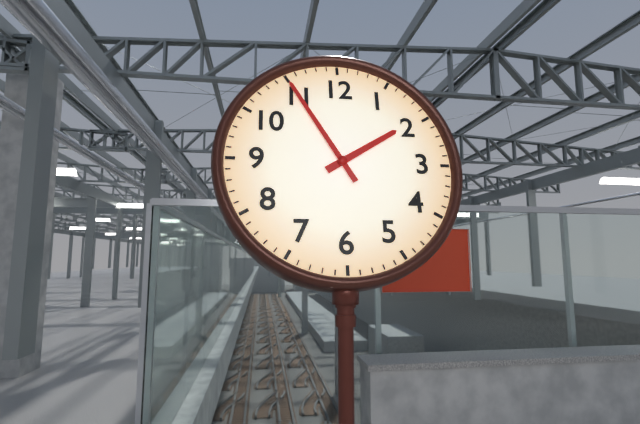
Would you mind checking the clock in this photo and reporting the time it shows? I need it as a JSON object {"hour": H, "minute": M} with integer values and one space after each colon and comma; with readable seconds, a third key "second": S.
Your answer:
{"hour": 1, "minute": 55}
